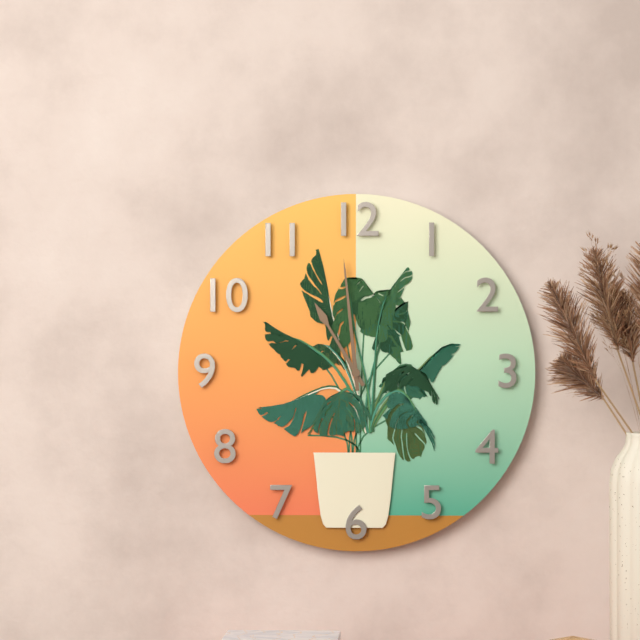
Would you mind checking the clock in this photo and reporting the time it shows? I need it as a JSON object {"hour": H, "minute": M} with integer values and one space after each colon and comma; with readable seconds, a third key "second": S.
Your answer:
{"hour": 10, "minute": 59}
